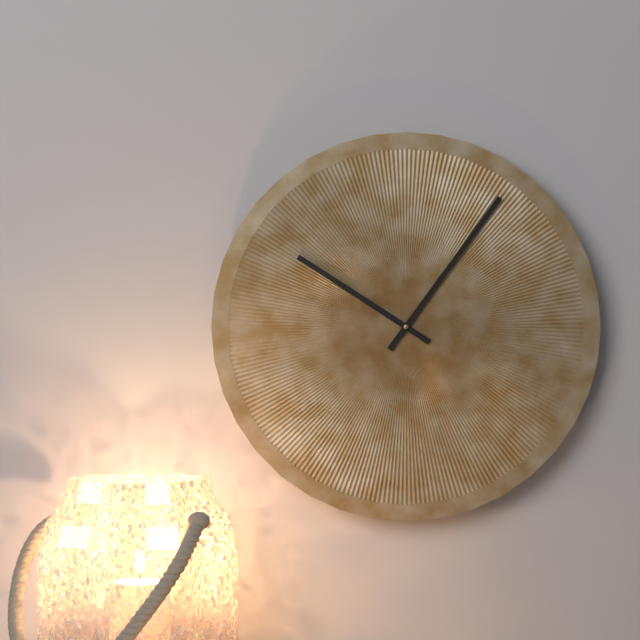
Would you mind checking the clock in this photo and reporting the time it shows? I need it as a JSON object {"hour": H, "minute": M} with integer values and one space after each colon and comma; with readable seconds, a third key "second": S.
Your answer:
{"hour": 10, "minute": 6}
